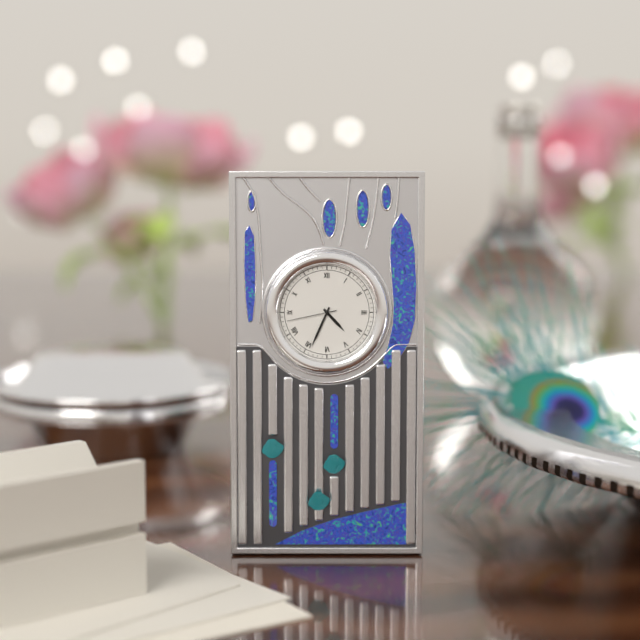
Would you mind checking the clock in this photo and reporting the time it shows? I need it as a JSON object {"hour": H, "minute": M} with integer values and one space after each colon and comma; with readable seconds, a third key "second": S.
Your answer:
{"hour": 4, "minute": 34, "second": 43}
